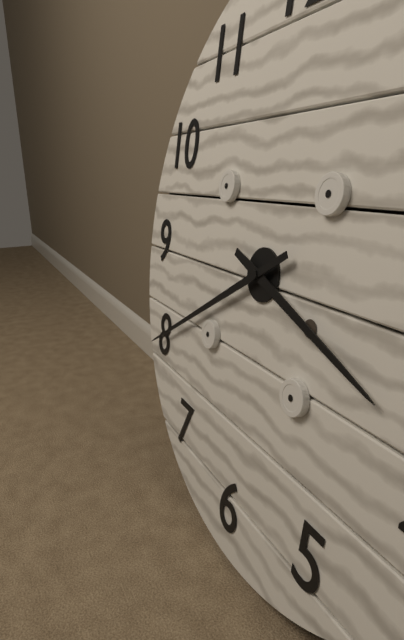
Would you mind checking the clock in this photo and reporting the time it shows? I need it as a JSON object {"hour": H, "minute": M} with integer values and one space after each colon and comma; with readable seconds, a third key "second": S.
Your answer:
{"hour": 3, "minute": 40}
